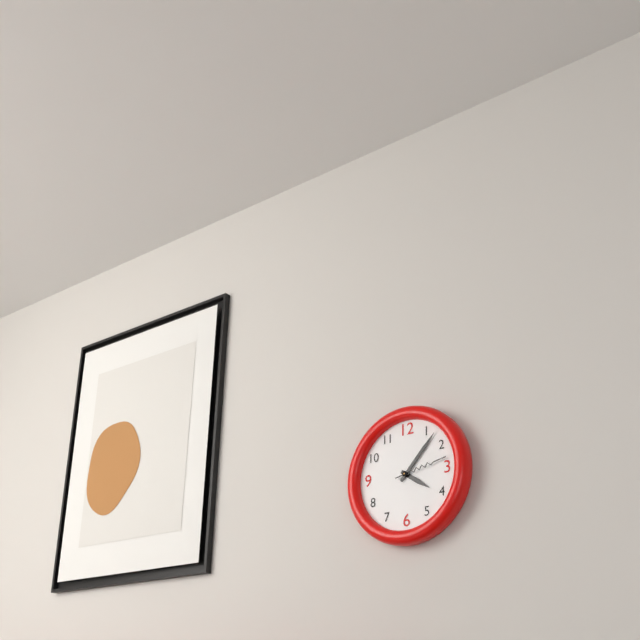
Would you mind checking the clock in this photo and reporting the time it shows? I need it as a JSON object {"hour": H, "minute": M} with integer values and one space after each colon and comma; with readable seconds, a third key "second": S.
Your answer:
{"hour": 4, "minute": 7, "second": 13}
